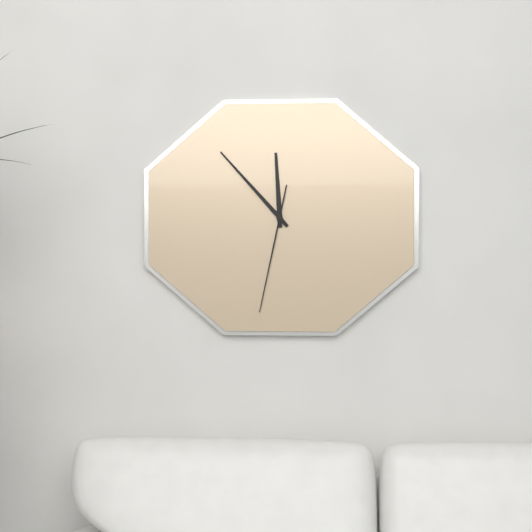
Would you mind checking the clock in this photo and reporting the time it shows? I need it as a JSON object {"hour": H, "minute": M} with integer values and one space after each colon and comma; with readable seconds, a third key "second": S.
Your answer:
{"hour": 11, "minute": 53, "second": 32}
